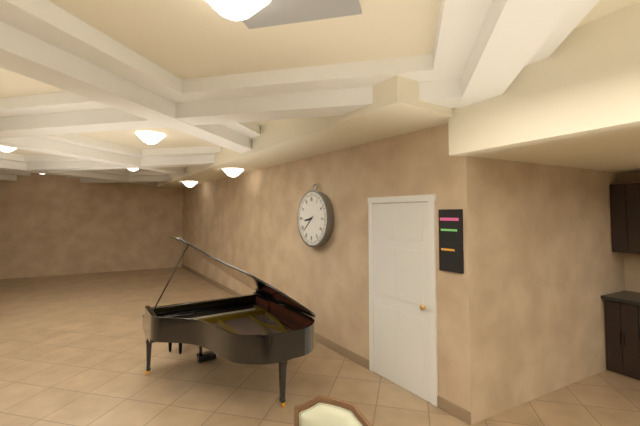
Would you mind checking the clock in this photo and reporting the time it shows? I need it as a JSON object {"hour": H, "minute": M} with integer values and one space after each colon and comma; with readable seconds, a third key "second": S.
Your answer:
{"hour": 8, "minute": 38}
